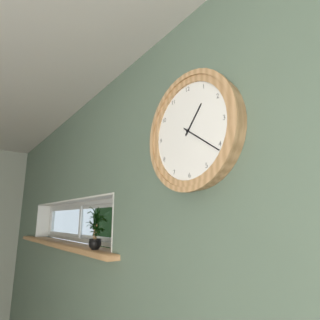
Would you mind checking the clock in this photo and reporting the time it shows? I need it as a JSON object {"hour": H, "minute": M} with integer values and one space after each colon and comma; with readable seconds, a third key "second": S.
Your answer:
{"hour": 1, "minute": 21}
